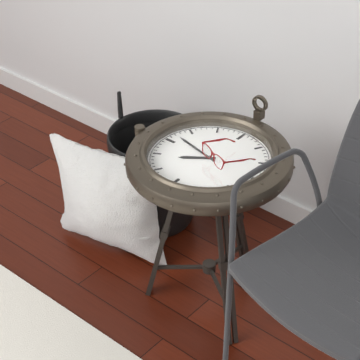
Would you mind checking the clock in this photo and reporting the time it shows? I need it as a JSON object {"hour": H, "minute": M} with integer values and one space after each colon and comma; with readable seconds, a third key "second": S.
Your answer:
{"hour": 7, "minute": 47}
